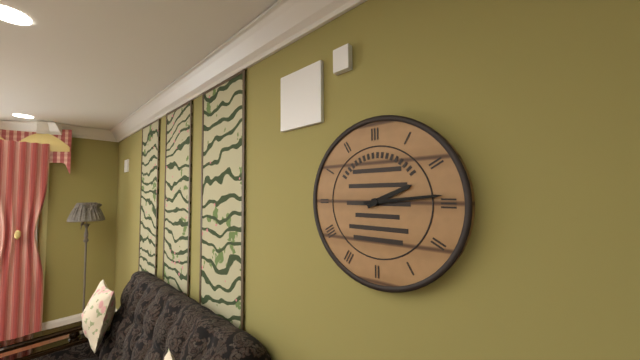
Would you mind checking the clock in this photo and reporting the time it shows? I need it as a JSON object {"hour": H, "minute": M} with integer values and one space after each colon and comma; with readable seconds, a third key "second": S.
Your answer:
{"hour": 2, "minute": 14}
